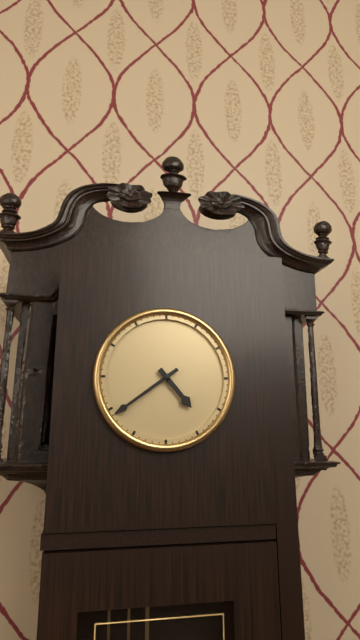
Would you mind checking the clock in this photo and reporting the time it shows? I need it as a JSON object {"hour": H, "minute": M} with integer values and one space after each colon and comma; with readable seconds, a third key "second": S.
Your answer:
{"hour": 4, "minute": 39}
